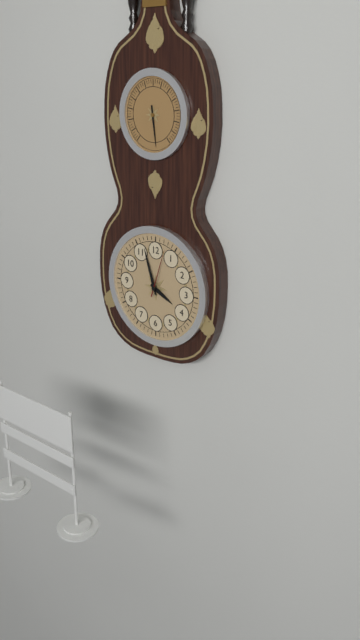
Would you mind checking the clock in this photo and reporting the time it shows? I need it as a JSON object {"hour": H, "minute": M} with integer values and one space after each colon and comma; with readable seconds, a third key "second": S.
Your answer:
{"hour": 3, "minute": 57}
